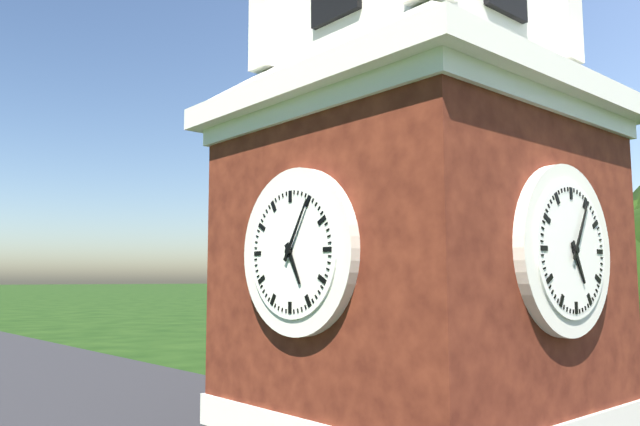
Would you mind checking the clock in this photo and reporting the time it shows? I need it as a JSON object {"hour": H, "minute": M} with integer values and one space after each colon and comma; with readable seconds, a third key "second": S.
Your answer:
{"hour": 5, "minute": 5}
